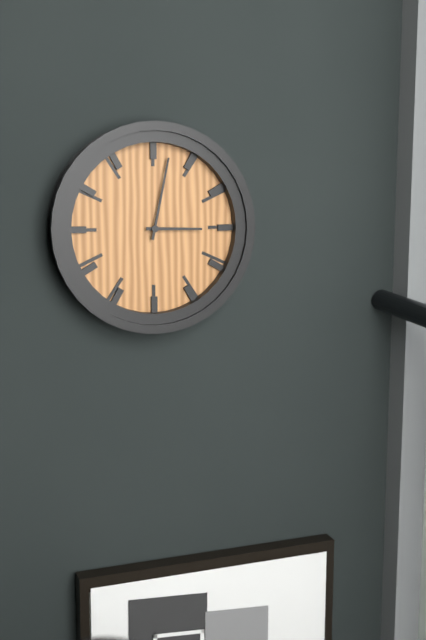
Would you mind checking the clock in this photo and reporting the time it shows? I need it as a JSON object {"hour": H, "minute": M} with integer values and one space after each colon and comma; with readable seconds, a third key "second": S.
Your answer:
{"hour": 3, "minute": 2}
